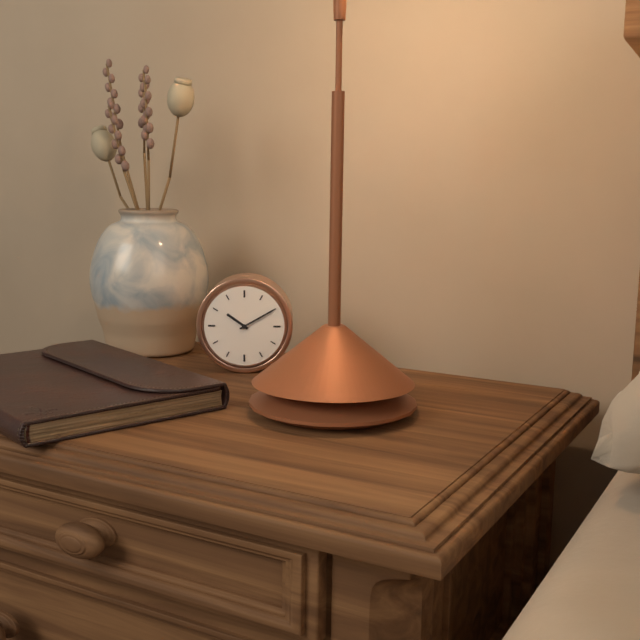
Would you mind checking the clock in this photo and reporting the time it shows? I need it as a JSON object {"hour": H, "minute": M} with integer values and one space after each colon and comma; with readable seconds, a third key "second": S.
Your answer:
{"hour": 10, "minute": 10}
